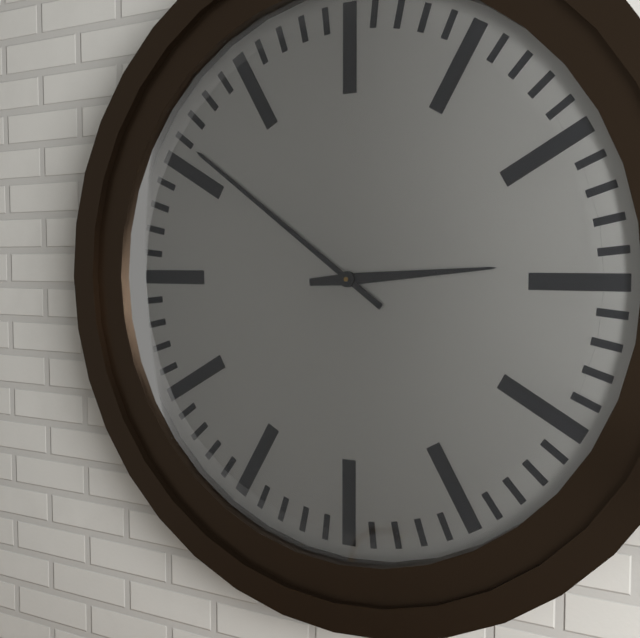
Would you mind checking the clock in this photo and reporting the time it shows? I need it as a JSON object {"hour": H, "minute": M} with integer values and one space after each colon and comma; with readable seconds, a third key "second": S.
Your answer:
{"hour": 2, "minute": 51}
